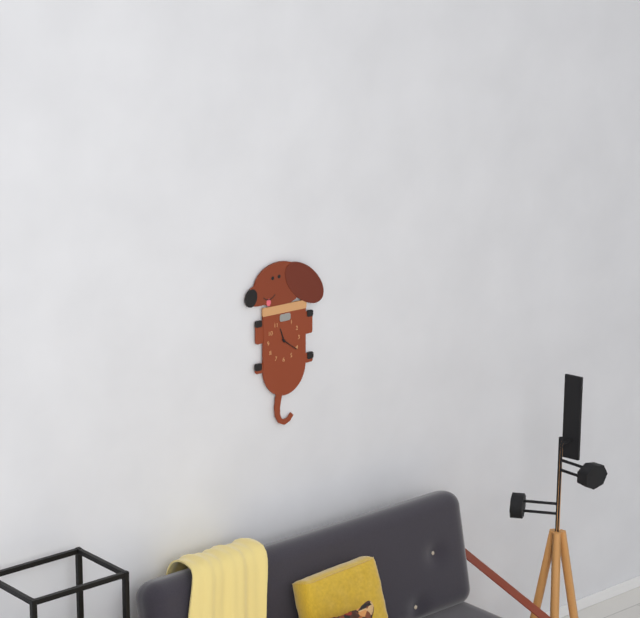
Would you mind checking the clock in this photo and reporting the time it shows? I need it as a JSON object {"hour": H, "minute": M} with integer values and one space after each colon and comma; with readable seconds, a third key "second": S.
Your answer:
{"hour": 11, "minute": 21}
